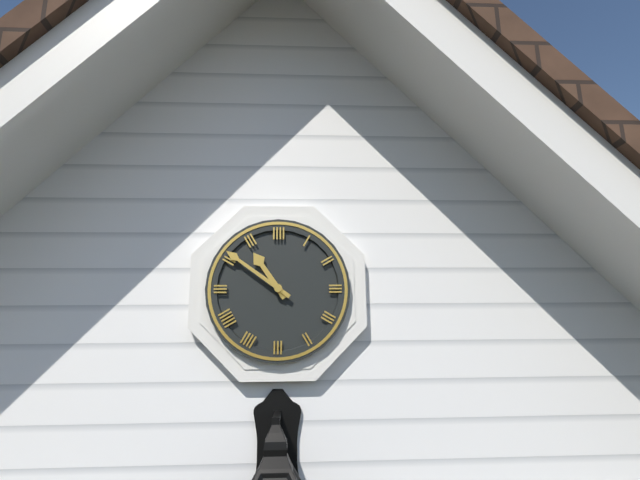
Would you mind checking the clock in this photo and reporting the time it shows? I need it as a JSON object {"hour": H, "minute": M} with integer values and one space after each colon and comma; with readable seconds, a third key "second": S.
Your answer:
{"hour": 10, "minute": 51}
